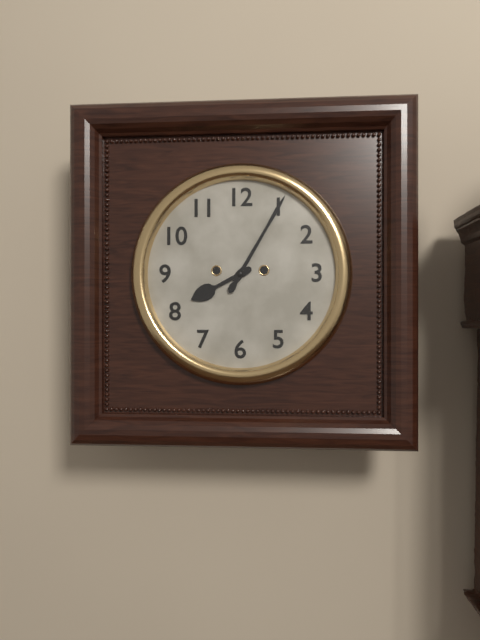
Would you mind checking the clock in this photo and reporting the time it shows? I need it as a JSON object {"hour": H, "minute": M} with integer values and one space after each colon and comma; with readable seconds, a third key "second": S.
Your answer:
{"hour": 8, "minute": 5}
